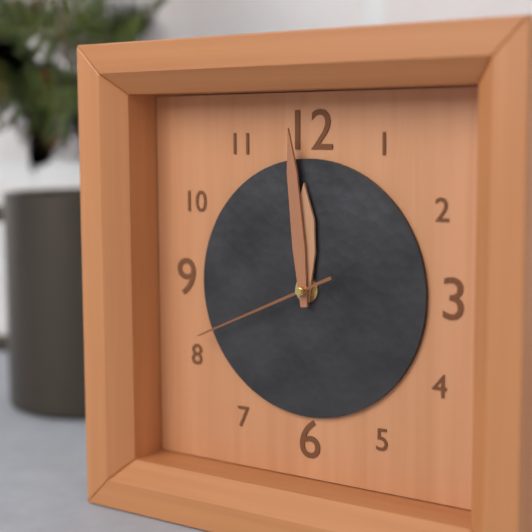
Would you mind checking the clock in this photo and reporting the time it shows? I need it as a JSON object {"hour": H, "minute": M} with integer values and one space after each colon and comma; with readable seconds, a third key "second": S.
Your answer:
{"hour": 11, "minute": 59, "second": 41}
